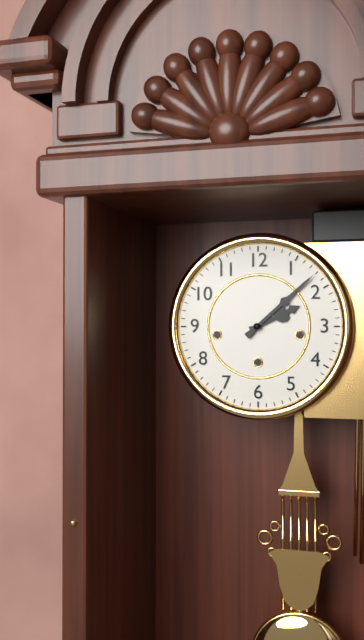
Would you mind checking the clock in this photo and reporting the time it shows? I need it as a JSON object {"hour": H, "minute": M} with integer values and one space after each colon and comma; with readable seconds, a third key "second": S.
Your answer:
{"hour": 2, "minute": 8}
